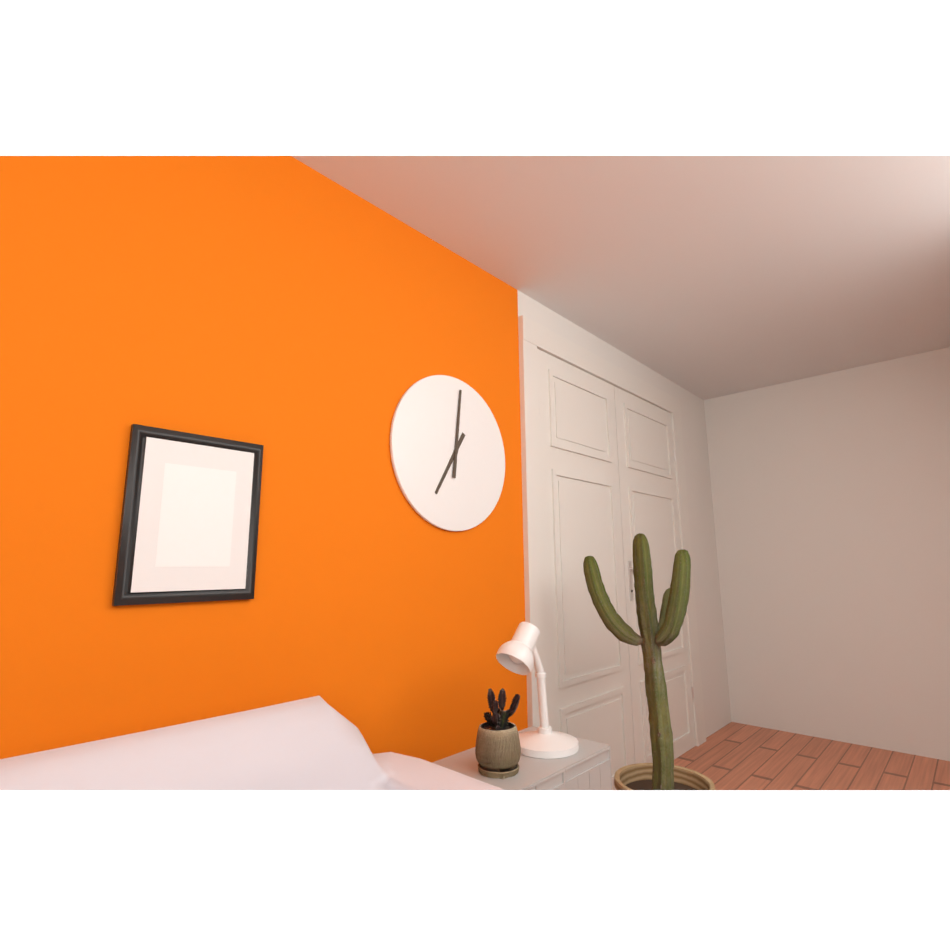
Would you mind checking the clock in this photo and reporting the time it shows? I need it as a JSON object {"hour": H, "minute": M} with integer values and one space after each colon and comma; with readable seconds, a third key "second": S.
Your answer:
{"hour": 7, "minute": 1}
